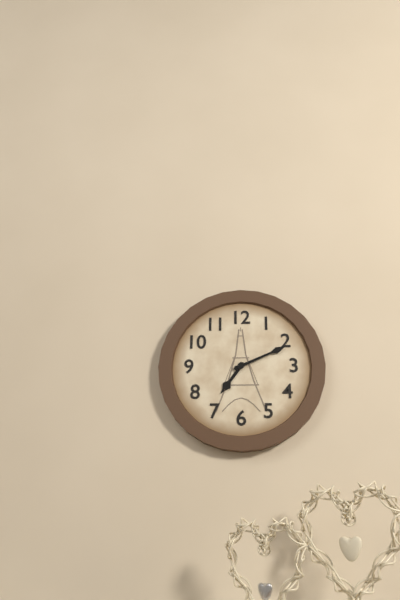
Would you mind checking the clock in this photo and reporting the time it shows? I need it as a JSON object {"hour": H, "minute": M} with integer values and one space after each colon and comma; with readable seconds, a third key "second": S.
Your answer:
{"hour": 7, "minute": 11}
